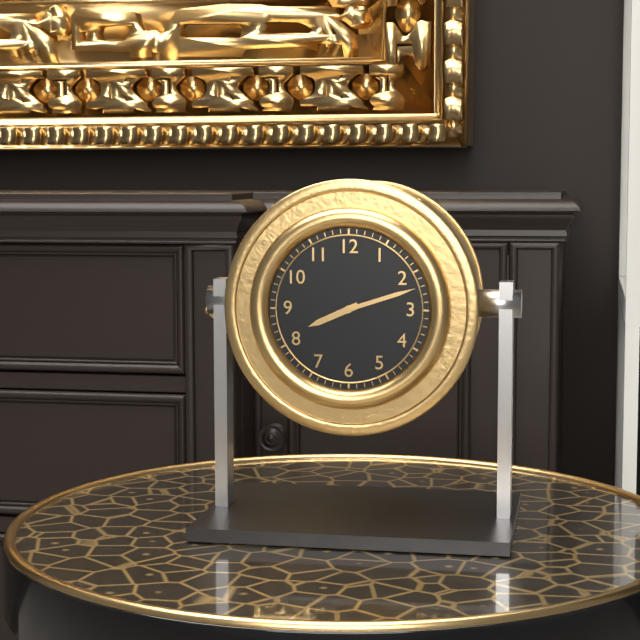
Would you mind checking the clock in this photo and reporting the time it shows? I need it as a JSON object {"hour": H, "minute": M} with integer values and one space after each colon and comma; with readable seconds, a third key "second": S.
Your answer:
{"hour": 8, "minute": 12}
